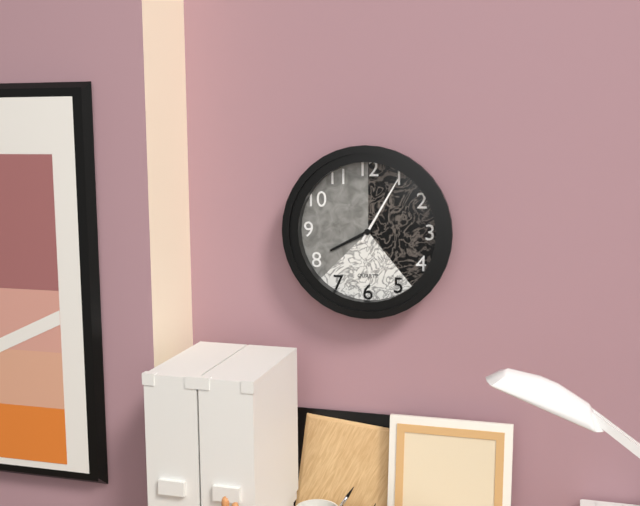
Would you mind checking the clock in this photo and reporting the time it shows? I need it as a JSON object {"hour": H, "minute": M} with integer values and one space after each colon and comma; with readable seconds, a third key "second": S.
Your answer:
{"hour": 8, "minute": 5}
